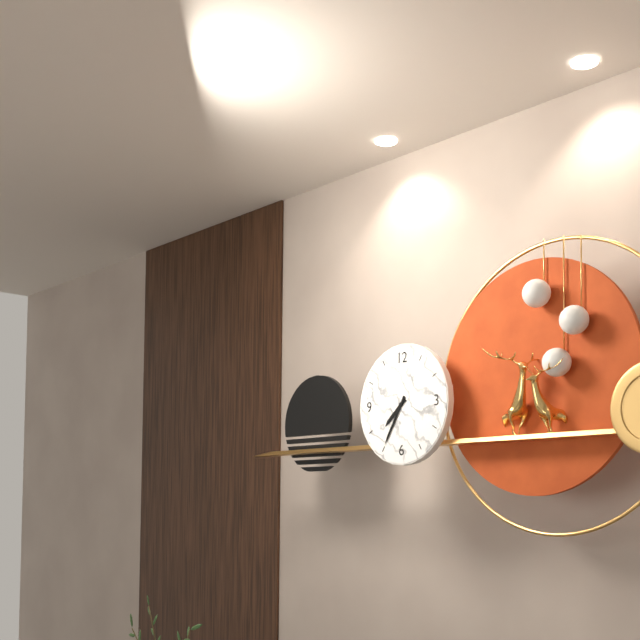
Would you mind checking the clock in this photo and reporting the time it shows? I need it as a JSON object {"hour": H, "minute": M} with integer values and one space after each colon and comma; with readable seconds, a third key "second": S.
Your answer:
{"hour": 7, "minute": 35}
